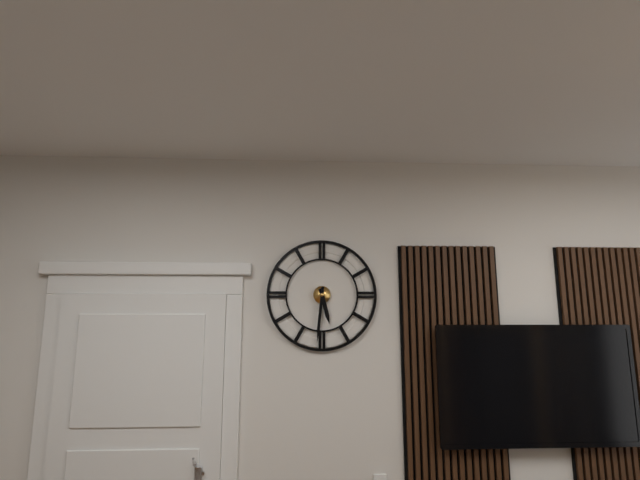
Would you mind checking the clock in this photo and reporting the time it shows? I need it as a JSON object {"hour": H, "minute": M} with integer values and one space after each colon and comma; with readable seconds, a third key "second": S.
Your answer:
{"hour": 5, "minute": 31}
